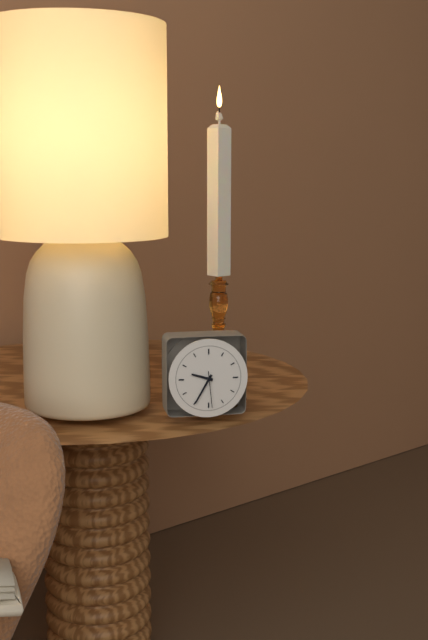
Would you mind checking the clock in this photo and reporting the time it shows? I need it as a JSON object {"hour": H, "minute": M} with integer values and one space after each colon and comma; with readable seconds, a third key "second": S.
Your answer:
{"hour": 9, "minute": 35}
